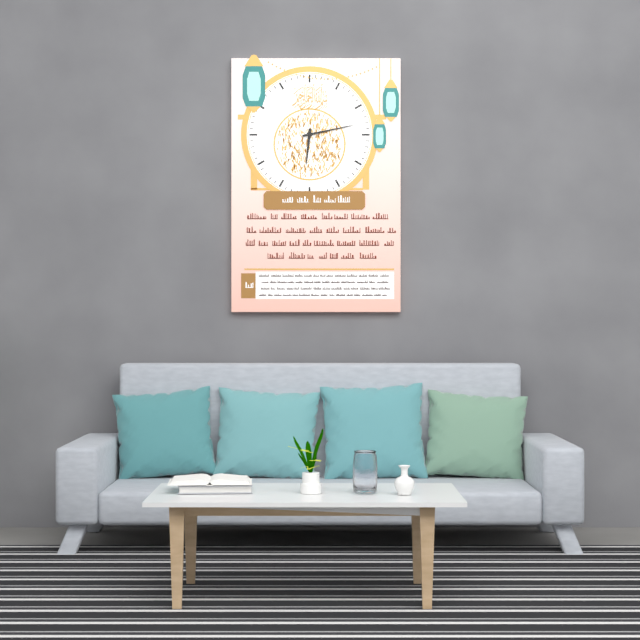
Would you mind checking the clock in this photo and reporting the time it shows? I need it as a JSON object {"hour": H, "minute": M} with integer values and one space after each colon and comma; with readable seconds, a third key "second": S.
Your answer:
{"hour": 6, "minute": 13}
